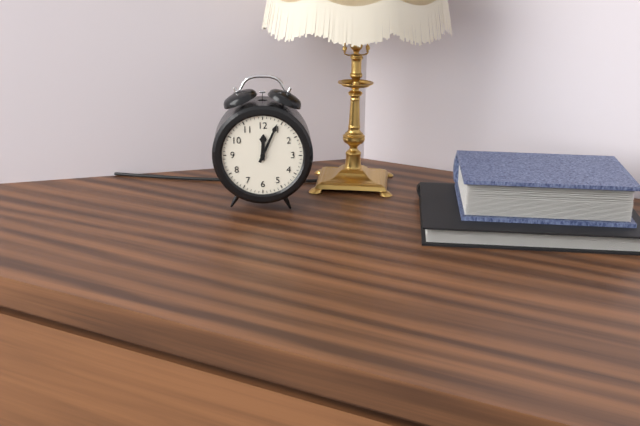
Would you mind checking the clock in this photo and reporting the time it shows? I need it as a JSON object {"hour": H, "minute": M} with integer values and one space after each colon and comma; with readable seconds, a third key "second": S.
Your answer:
{"hour": 12, "minute": 4}
